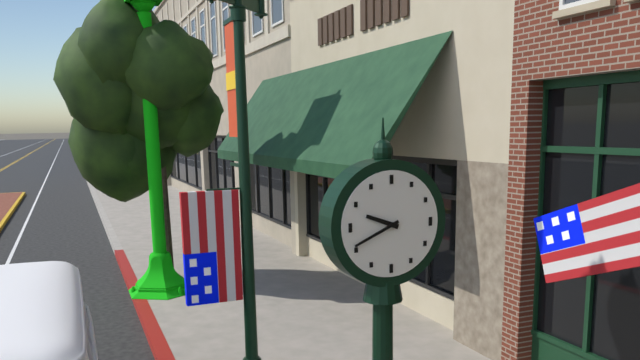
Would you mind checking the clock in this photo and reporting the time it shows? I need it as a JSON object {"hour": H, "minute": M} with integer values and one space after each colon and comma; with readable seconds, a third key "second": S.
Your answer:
{"hour": 9, "minute": 41}
